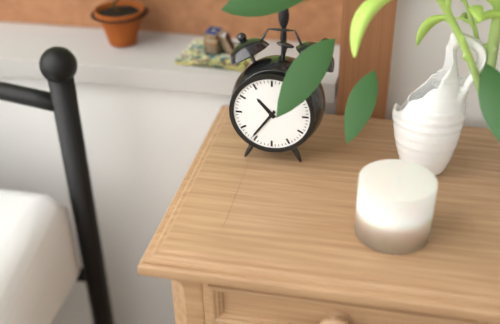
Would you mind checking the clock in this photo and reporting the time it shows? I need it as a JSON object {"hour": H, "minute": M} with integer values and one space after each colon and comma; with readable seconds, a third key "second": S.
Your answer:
{"hour": 10, "minute": 36}
